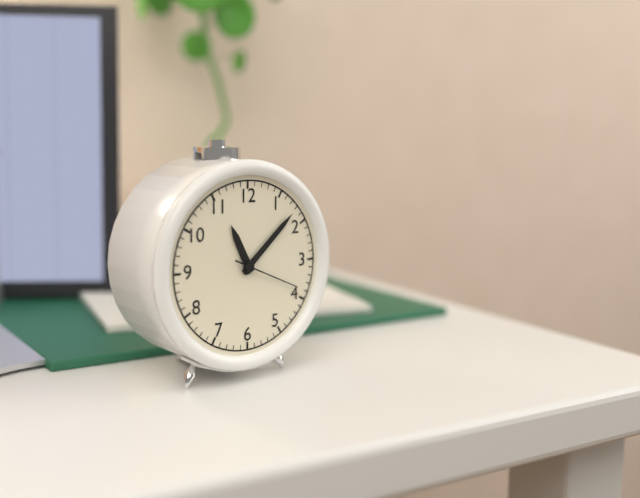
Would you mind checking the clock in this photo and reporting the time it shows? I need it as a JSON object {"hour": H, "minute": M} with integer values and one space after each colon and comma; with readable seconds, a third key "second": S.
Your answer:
{"hour": 11, "minute": 8, "second": 19}
